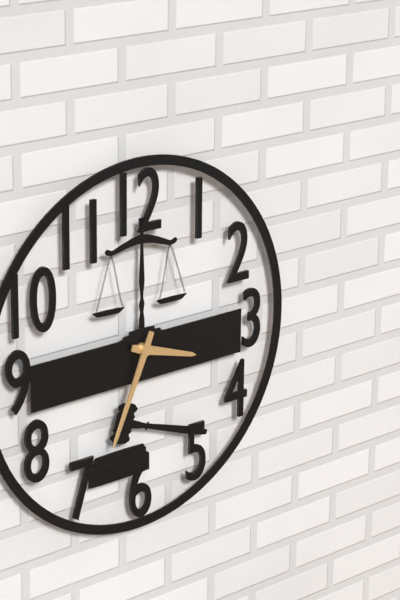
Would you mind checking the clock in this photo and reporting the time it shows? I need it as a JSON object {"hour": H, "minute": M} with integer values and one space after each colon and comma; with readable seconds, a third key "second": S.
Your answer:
{"hour": 3, "minute": 34}
